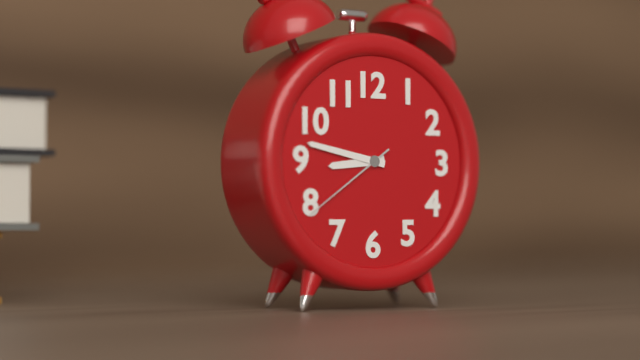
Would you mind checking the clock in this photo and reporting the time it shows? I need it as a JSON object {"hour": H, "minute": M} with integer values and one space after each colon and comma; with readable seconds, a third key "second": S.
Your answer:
{"hour": 8, "minute": 47, "second": 39}
